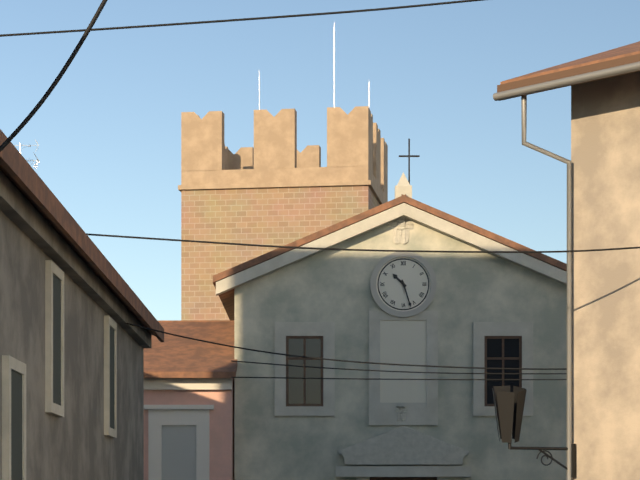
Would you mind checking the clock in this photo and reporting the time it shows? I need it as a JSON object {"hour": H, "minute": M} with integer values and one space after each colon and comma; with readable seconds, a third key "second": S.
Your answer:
{"hour": 10, "minute": 27}
